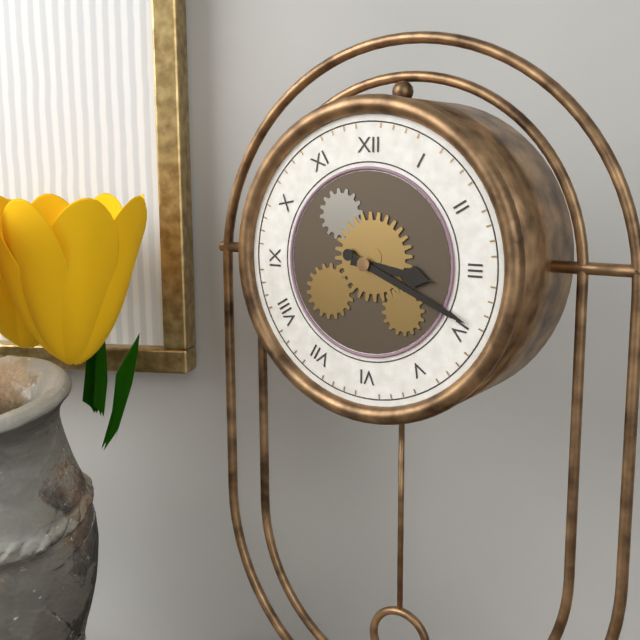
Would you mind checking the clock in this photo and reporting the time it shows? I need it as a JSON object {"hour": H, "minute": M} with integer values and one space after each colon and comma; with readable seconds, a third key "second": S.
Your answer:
{"hour": 3, "minute": 19}
